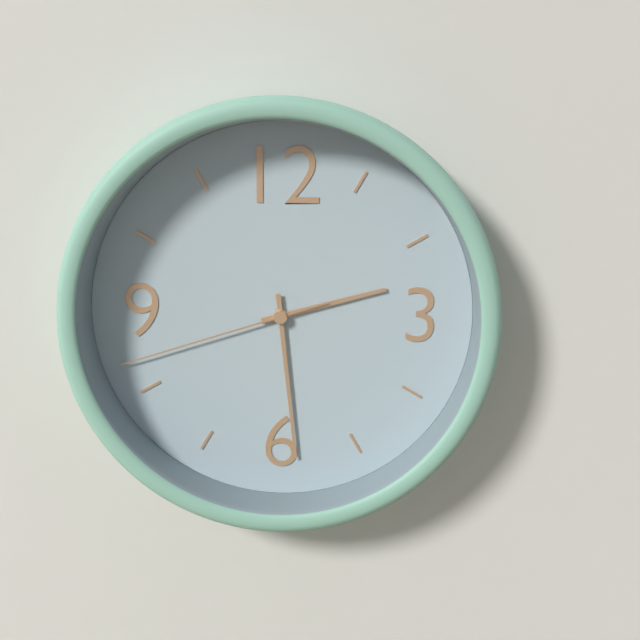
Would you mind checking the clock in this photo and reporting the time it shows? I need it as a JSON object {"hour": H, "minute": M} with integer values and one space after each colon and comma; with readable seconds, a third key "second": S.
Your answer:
{"hour": 2, "minute": 29, "second": 42}
